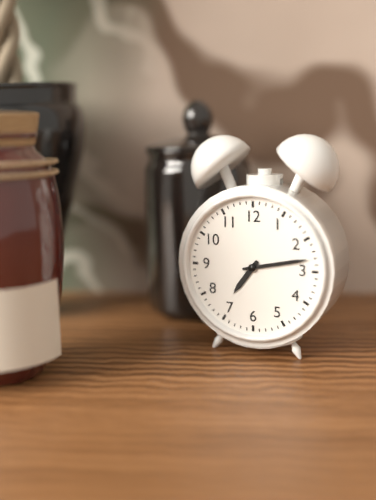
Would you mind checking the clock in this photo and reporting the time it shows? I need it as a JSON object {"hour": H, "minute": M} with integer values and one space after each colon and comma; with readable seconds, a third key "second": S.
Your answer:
{"hour": 7, "minute": 13}
